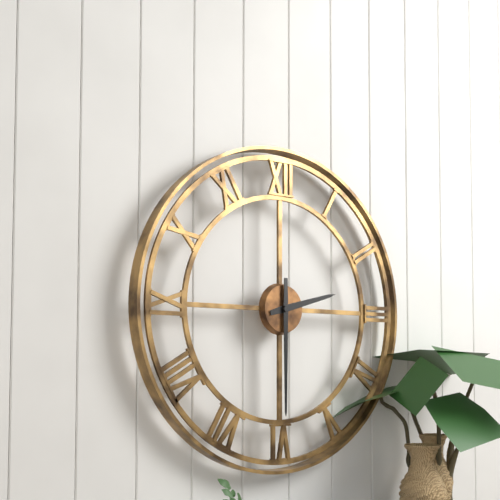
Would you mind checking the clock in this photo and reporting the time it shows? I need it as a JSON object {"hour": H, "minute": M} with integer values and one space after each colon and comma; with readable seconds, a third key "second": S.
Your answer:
{"hour": 2, "minute": 30}
